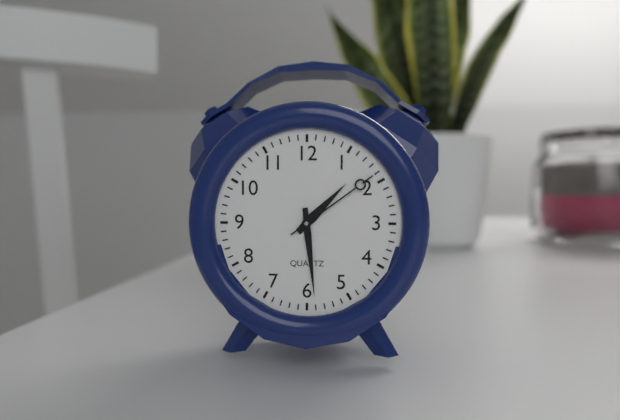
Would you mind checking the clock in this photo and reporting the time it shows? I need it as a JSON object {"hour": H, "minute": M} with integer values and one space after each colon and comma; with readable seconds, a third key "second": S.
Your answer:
{"hour": 1, "minute": 29, "second": 9}
